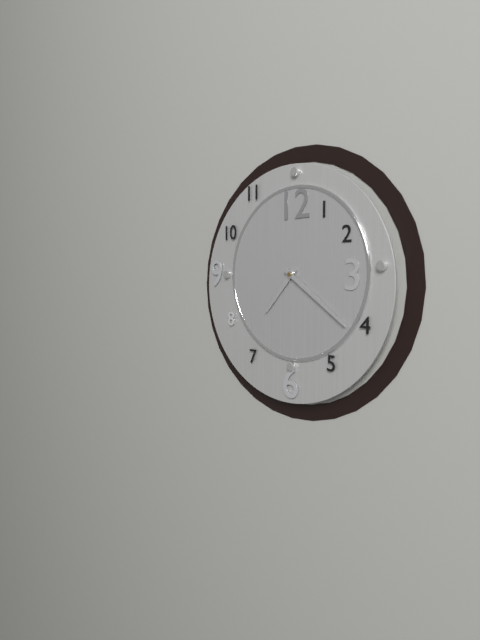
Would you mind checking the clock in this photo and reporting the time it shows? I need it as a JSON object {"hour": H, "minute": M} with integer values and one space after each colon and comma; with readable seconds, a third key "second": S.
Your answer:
{"hour": 7, "minute": 21}
